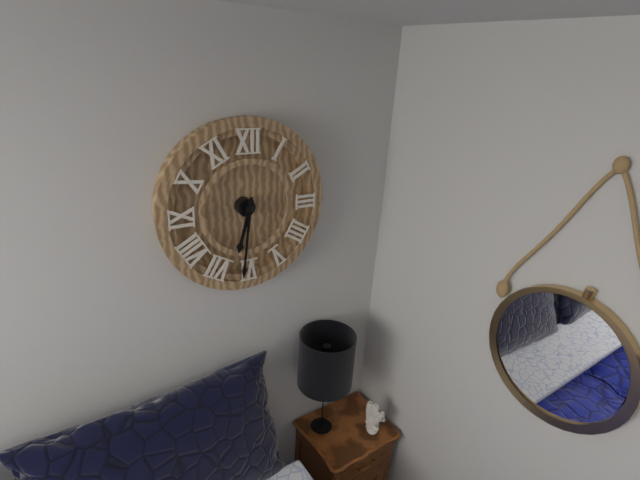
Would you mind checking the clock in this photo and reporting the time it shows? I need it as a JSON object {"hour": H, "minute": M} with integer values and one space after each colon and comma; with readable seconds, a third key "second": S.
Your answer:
{"hour": 6, "minute": 31}
